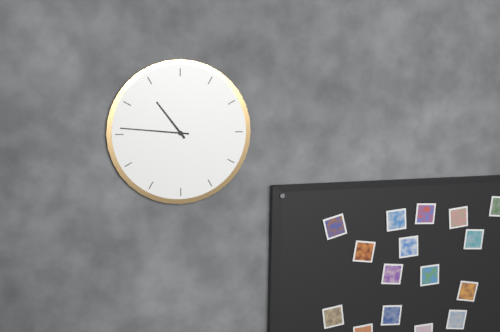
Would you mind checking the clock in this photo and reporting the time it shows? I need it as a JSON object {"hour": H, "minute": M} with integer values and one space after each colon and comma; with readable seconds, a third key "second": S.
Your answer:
{"hour": 10, "minute": 46}
